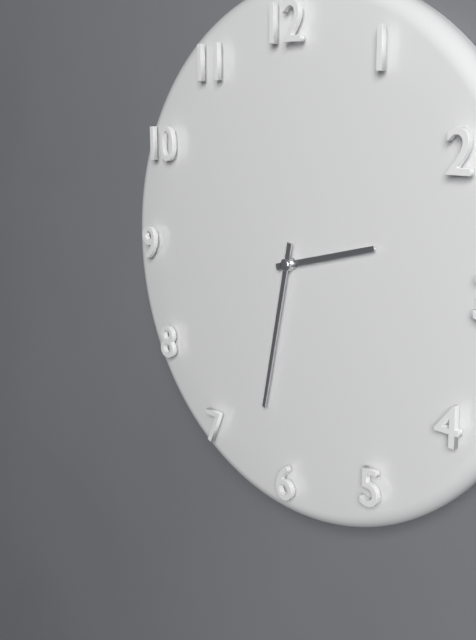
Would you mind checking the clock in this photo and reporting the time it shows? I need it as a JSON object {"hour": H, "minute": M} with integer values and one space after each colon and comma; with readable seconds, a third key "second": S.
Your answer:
{"hour": 2, "minute": 32}
